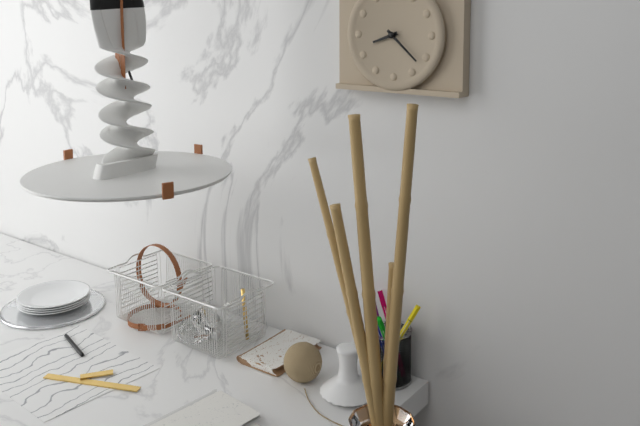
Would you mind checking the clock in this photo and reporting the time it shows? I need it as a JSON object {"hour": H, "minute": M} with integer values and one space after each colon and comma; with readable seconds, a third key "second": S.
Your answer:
{"hour": 8, "minute": 22}
